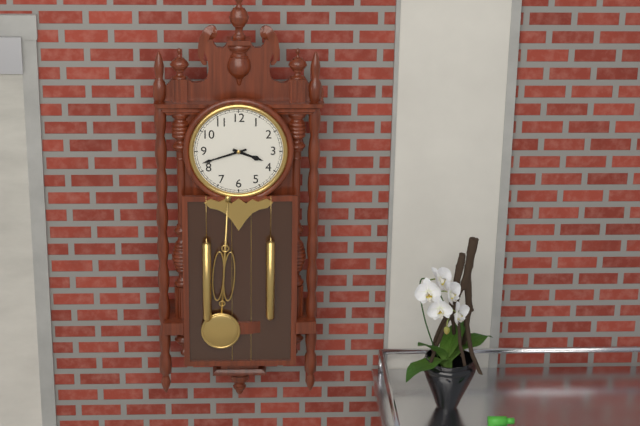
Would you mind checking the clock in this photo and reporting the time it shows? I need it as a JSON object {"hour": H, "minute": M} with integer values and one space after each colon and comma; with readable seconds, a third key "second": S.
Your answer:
{"hour": 3, "minute": 42}
